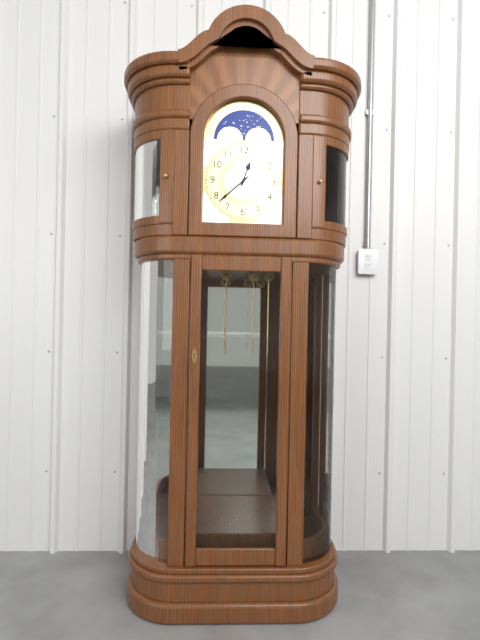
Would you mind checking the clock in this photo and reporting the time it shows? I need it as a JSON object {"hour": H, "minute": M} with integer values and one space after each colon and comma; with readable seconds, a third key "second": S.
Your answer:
{"hour": 12, "minute": 38}
